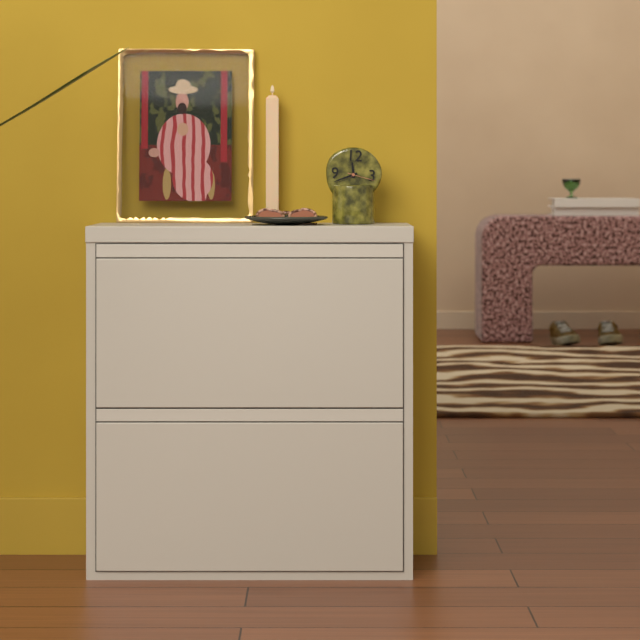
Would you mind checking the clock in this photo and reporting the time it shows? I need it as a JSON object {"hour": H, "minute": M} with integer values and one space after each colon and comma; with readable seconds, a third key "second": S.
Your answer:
{"hour": 11, "minute": 41}
